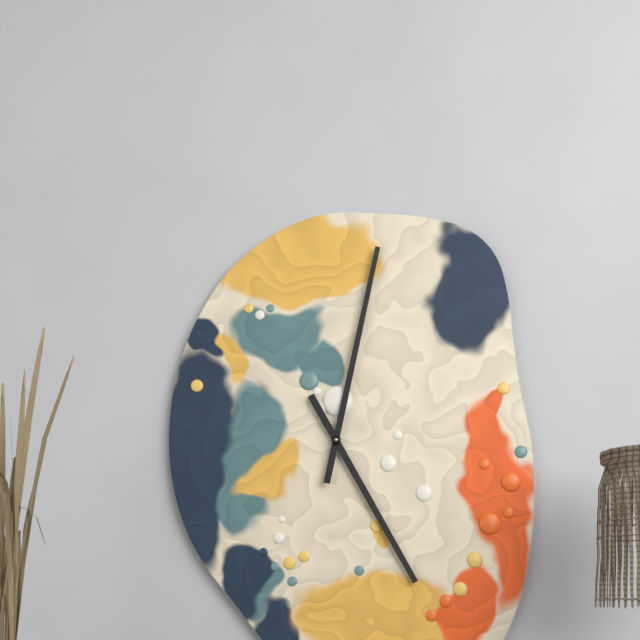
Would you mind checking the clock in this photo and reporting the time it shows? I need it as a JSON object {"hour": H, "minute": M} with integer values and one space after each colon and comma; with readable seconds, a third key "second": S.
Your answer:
{"hour": 5, "minute": 2}
